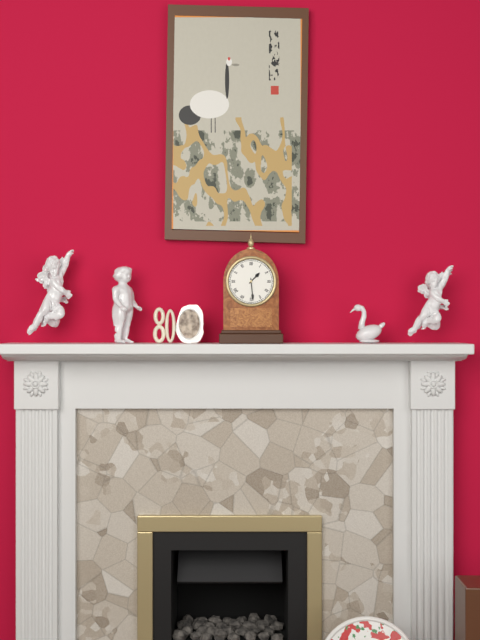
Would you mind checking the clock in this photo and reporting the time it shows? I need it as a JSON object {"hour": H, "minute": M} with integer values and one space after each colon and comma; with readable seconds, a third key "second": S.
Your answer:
{"hour": 1, "minute": 29}
